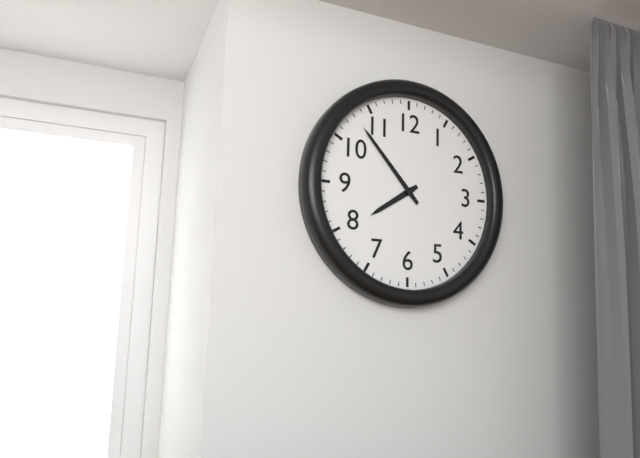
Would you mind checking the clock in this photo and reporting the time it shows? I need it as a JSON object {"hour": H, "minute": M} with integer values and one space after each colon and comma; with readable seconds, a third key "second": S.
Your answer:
{"hour": 7, "minute": 53}
